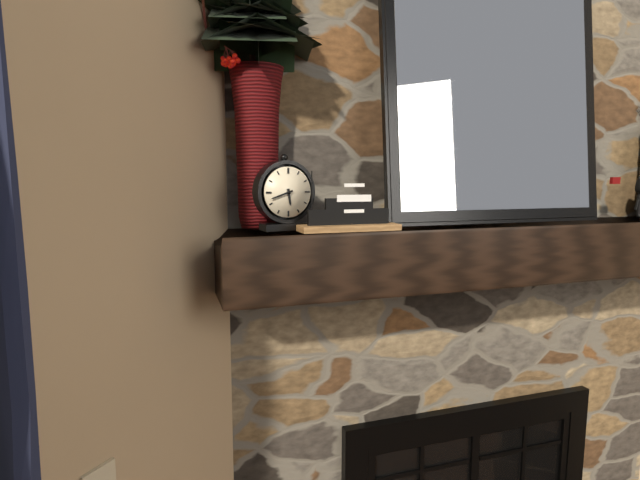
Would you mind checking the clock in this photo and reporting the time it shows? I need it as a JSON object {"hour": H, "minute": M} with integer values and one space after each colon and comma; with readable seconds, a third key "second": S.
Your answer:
{"hour": 5, "minute": 42}
